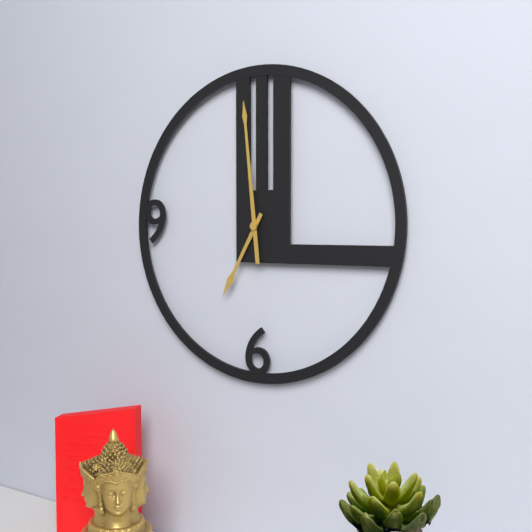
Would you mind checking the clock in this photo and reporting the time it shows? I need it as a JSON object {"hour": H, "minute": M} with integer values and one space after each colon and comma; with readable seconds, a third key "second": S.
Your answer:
{"hour": 6, "minute": 59}
